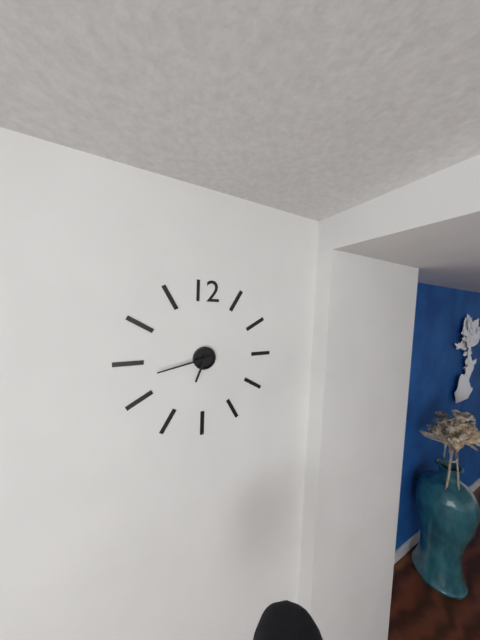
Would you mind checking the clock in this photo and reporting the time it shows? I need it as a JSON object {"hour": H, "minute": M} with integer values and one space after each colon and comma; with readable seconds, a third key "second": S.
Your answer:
{"hour": 6, "minute": 43}
